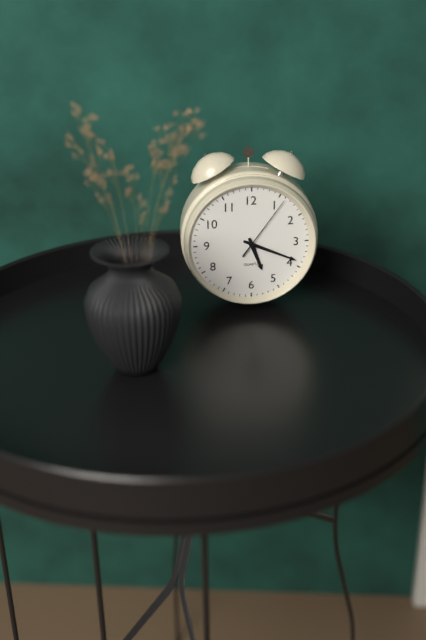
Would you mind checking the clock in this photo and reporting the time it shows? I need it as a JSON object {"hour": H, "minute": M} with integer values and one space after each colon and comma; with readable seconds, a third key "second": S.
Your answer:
{"hour": 5, "minute": 19, "second": 6}
